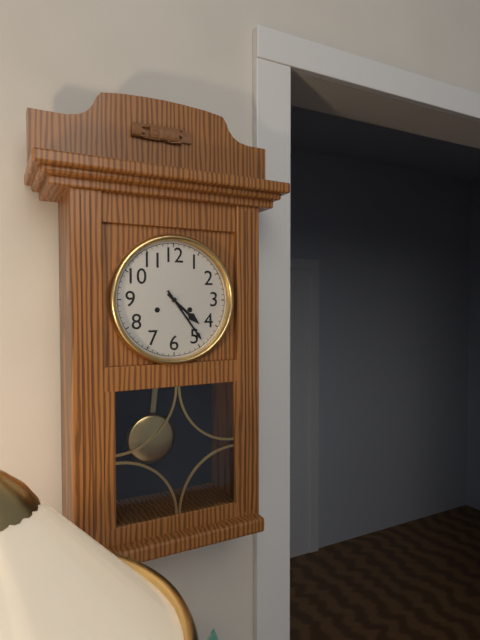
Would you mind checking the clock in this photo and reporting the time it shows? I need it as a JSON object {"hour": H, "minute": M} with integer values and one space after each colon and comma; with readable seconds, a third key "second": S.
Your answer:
{"hour": 4, "minute": 24}
